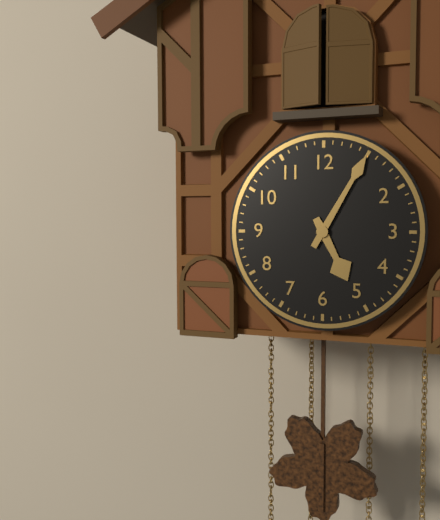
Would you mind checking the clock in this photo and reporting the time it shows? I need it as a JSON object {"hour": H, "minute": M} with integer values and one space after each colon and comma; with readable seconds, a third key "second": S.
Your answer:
{"hour": 5, "minute": 5}
